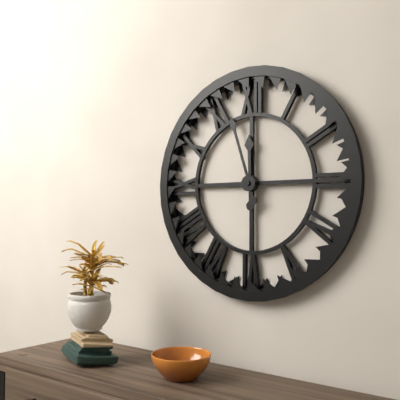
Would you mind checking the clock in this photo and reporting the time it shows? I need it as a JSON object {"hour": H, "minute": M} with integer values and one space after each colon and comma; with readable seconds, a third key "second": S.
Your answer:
{"hour": 11, "minute": 57}
